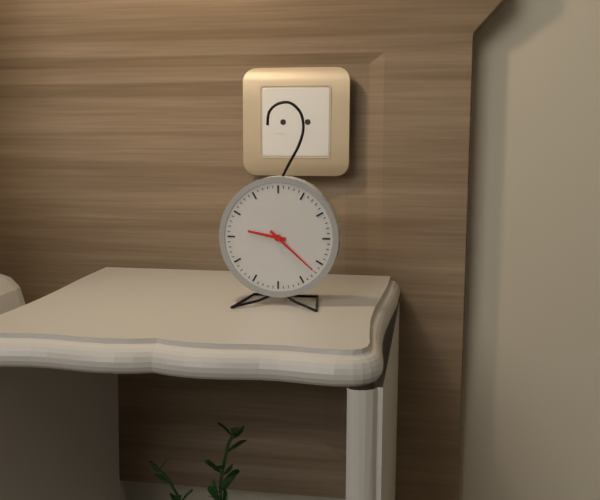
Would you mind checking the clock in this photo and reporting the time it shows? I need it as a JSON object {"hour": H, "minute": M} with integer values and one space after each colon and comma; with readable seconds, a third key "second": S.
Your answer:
{"hour": 9, "minute": 22}
